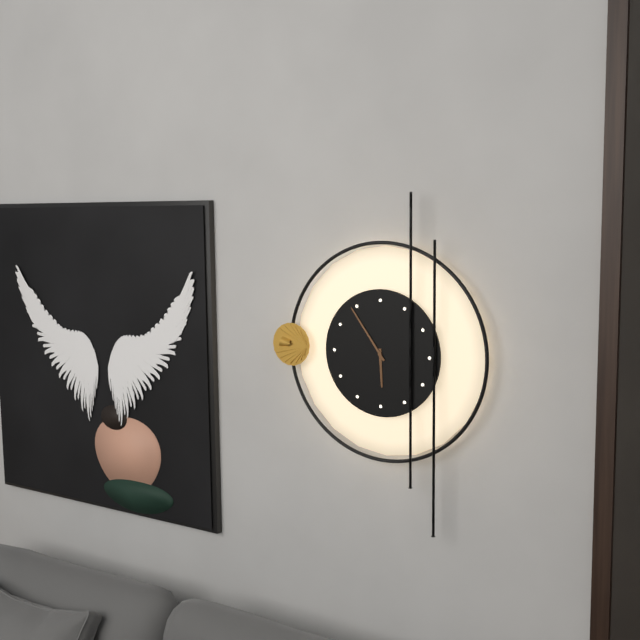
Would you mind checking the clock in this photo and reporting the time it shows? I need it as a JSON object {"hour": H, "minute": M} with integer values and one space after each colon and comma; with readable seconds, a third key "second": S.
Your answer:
{"hour": 5, "minute": 54}
